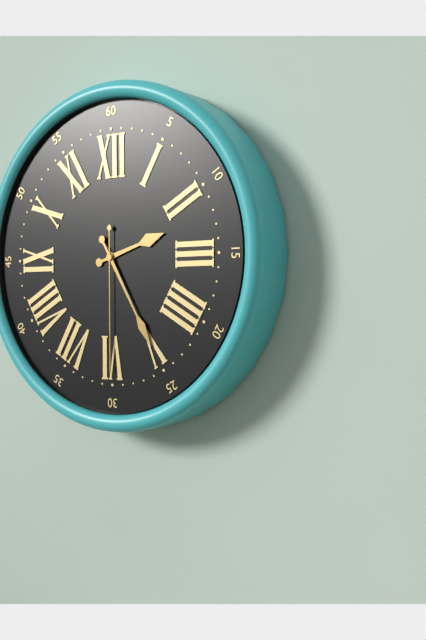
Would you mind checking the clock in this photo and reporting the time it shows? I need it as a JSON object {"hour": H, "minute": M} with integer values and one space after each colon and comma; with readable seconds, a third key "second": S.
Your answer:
{"hour": 2, "minute": 25, "second": 30}
